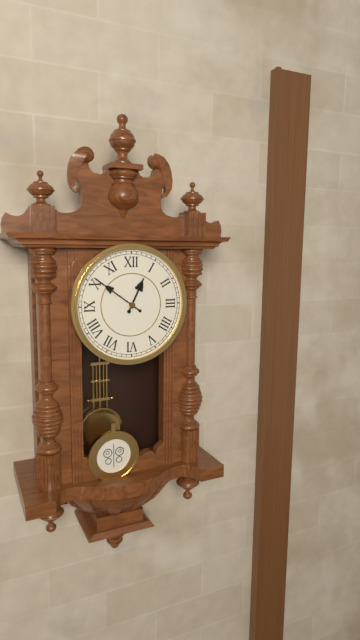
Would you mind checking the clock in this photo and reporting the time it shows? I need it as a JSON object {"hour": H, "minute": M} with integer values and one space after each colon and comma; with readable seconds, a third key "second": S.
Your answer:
{"hour": 12, "minute": 51}
